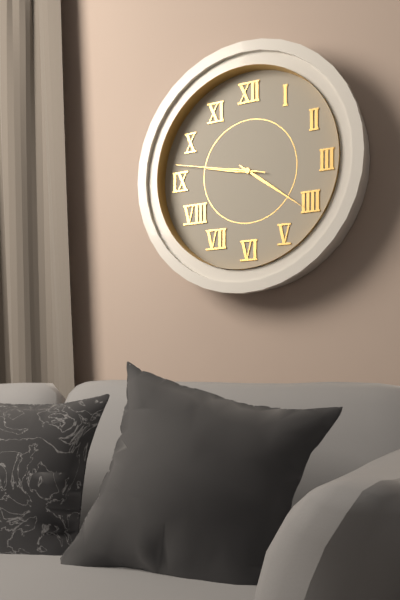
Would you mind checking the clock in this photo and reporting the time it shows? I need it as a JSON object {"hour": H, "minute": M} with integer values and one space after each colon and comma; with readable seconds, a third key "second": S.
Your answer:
{"hour": 9, "minute": 21, "second": 47}
